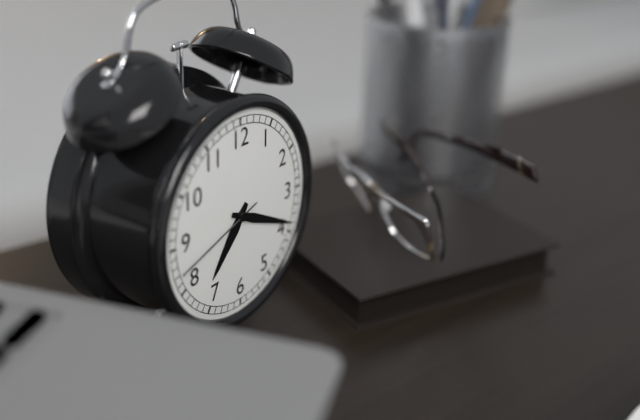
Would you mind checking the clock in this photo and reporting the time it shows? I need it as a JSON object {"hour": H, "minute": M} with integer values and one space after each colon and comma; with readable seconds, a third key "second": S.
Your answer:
{"hour": 7, "minute": 19, "second": 42}
